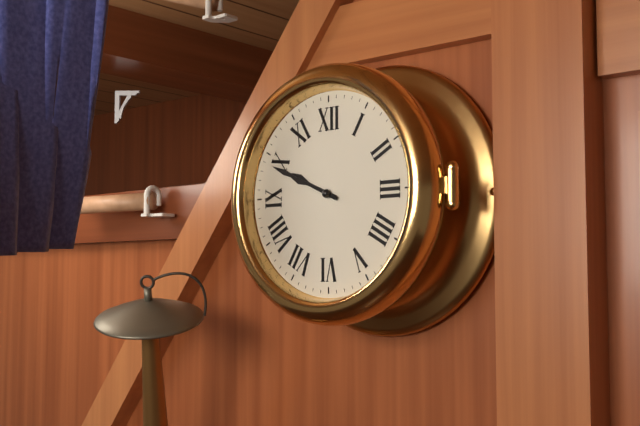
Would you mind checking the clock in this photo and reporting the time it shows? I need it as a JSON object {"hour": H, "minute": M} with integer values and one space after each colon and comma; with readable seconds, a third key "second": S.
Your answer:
{"hour": 9, "minute": 49}
